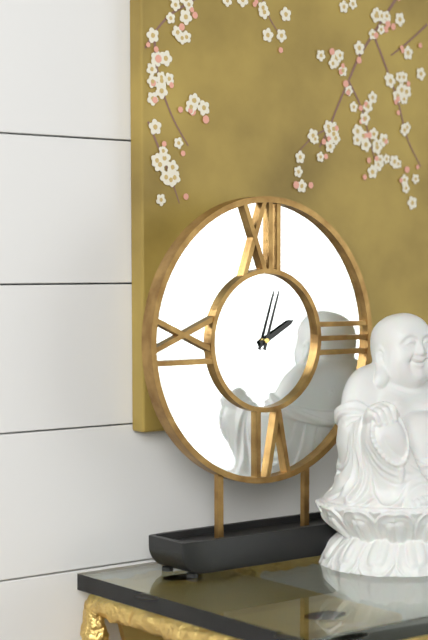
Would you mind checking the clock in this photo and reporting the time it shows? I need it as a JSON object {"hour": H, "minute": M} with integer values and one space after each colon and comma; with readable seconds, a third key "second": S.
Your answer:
{"hour": 2, "minute": 3}
